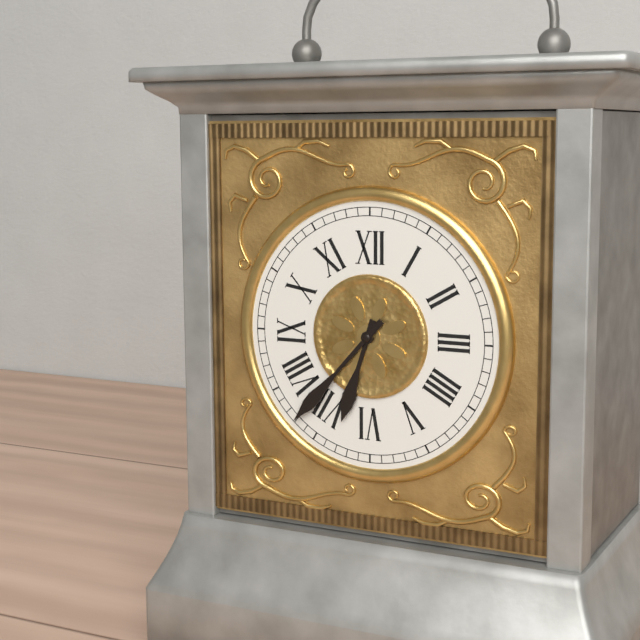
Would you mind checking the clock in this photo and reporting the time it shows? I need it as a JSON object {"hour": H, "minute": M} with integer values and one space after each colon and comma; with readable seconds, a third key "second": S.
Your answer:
{"hour": 6, "minute": 37}
